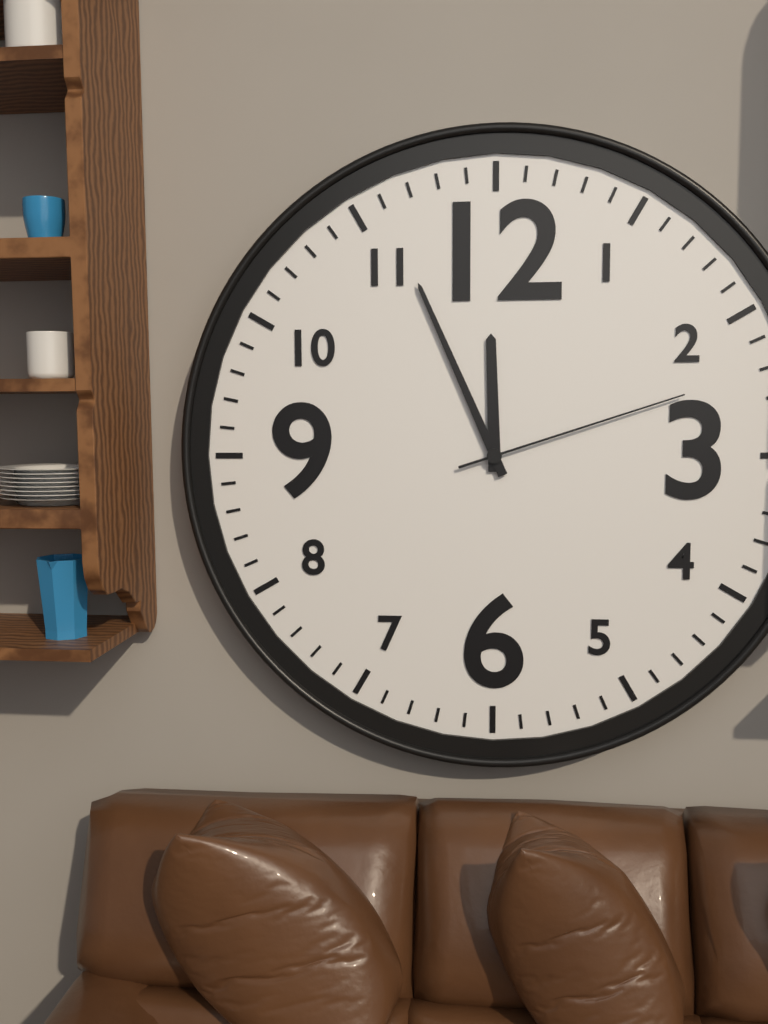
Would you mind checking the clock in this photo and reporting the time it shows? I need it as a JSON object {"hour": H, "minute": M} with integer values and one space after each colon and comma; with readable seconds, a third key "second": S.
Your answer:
{"hour": 11, "minute": 56, "second": 12}
